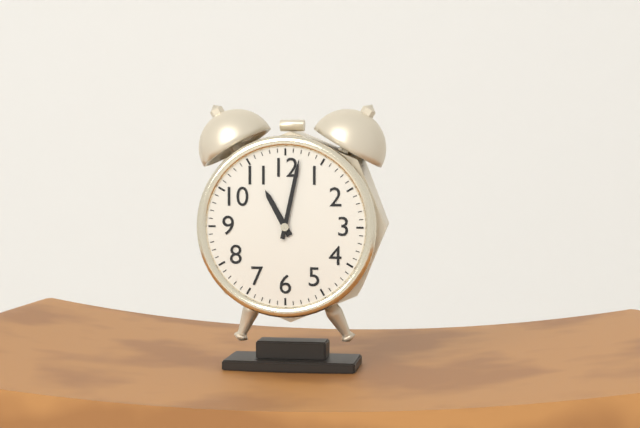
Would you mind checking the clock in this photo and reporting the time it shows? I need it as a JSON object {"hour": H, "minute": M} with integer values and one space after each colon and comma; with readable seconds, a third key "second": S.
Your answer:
{"hour": 11, "minute": 2}
